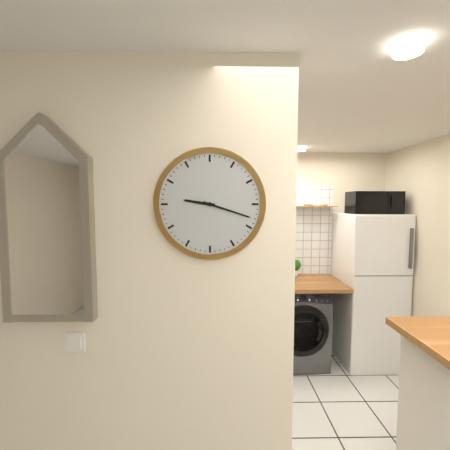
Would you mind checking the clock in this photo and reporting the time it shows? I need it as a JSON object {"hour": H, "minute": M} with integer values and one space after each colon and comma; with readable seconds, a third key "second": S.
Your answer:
{"hour": 9, "minute": 18}
